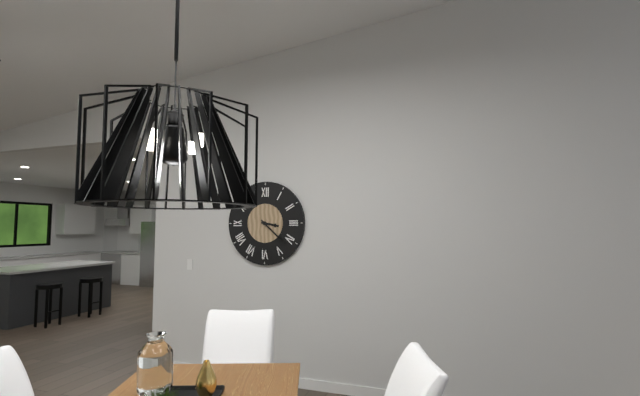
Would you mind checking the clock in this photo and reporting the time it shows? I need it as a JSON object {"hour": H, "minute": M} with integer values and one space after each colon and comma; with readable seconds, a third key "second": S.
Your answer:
{"hour": 3, "minute": 22}
